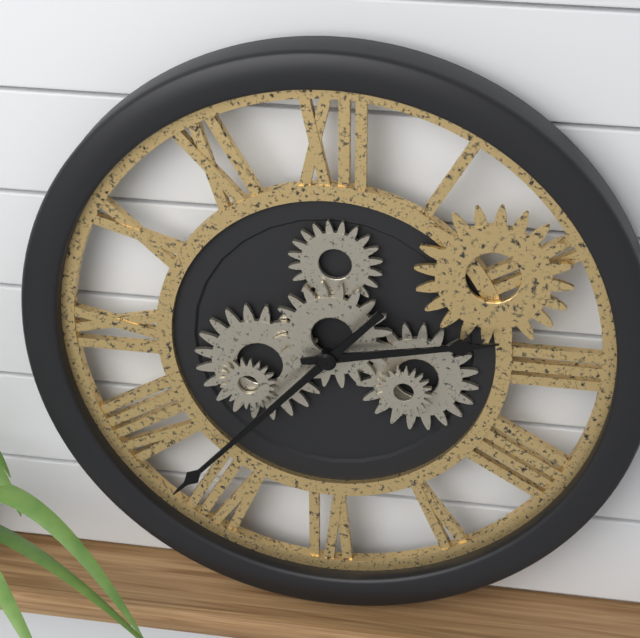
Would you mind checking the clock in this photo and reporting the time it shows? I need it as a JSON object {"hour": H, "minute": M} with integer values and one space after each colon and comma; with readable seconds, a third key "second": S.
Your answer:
{"hour": 2, "minute": 37}
